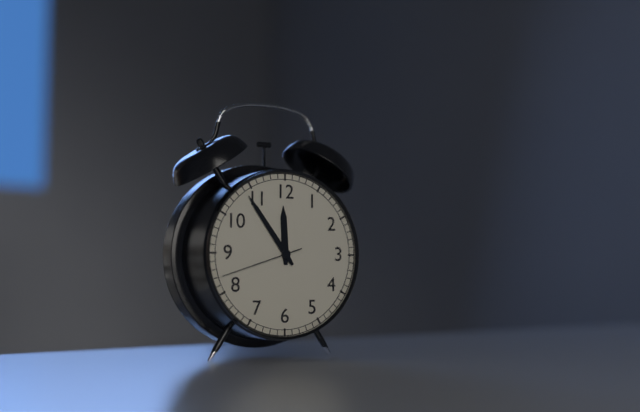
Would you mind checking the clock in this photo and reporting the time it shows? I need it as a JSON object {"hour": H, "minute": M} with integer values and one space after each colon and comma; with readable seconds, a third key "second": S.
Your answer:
{"hour": 11, "minute": 54, "second": 42}
